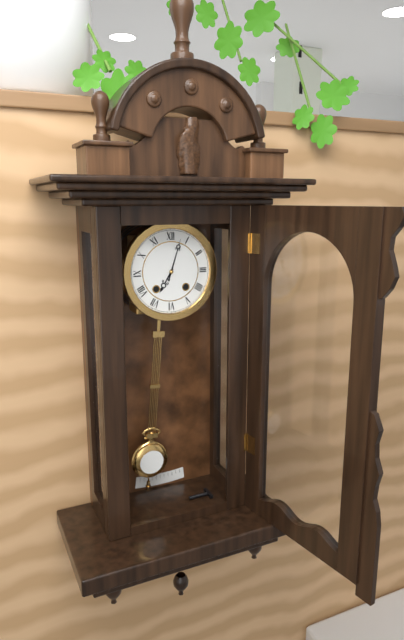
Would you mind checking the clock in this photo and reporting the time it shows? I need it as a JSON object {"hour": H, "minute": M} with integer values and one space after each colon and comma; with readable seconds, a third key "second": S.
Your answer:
{"hour": 7, "minute": 3}
